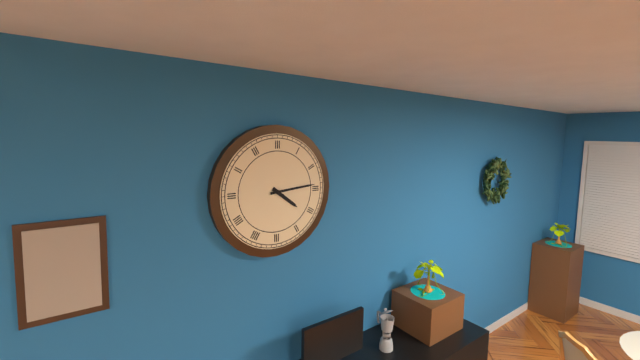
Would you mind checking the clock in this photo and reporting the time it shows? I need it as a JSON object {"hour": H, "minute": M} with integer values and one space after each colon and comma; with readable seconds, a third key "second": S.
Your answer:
{"hour": 4, "minute": 14}
